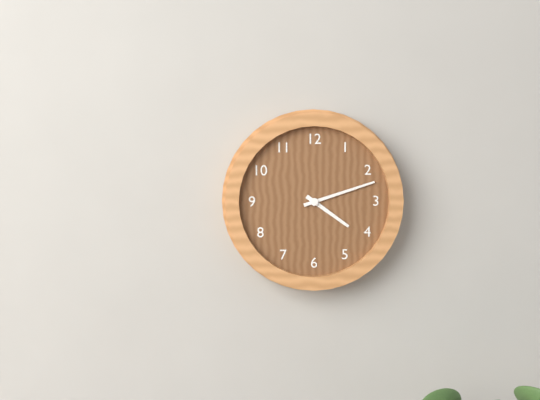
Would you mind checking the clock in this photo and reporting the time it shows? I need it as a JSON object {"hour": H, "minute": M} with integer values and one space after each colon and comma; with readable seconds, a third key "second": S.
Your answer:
{"hour": 4, "minute": 12}
